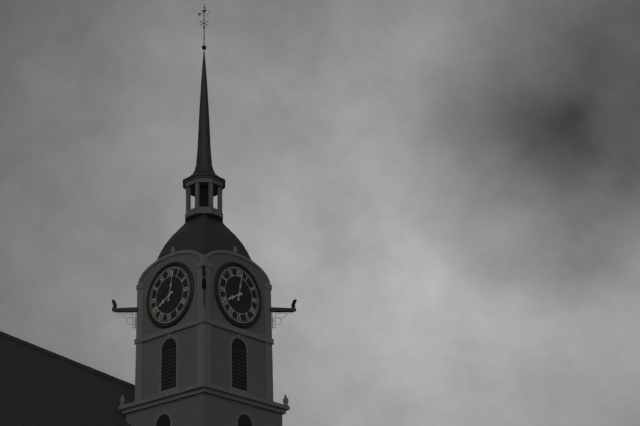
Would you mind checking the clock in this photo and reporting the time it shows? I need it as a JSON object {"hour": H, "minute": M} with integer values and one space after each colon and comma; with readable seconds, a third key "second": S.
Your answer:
{"hour": 8, "minute": 2}
